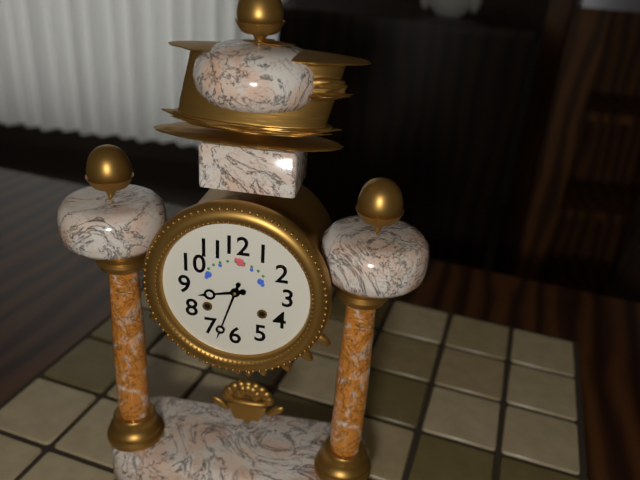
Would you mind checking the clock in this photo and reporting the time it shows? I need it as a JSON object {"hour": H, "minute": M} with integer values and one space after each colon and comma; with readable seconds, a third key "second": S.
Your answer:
{"hour": 8, "minute": 33}
